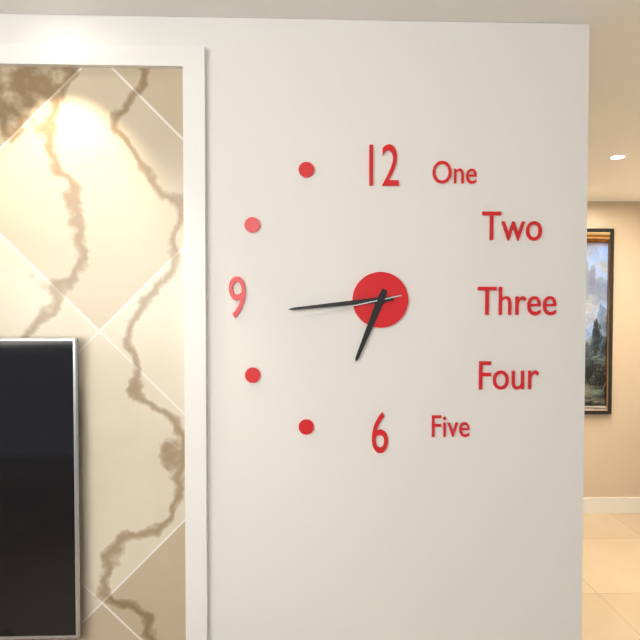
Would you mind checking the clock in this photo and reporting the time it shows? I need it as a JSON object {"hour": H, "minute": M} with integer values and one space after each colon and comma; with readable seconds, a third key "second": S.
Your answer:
{"hour": 6, "minute": 44, "second": 43}
